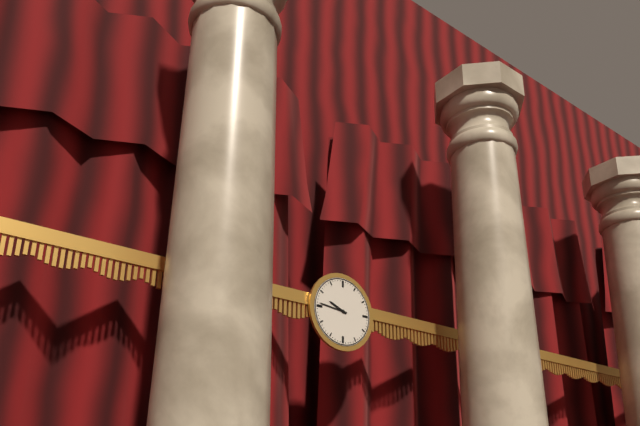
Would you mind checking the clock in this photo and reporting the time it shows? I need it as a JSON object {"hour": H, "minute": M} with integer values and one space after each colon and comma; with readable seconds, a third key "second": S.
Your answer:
{"hour": 9, "minute": 46}
